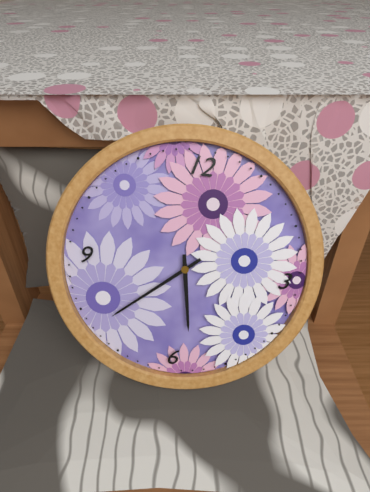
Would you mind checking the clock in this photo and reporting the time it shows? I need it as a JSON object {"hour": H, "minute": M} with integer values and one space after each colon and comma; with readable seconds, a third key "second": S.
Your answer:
{"hour": 5, "minute": 38}
